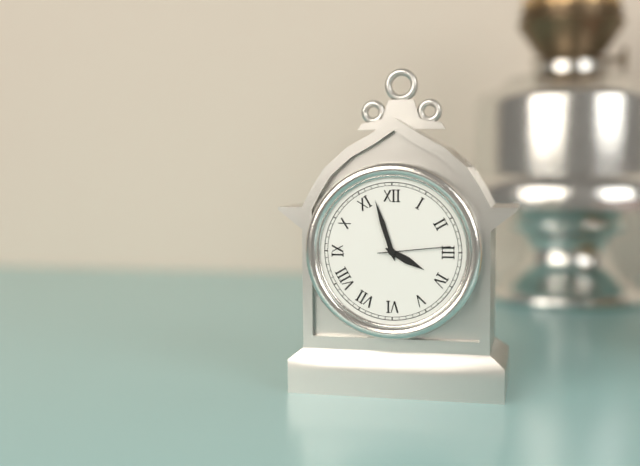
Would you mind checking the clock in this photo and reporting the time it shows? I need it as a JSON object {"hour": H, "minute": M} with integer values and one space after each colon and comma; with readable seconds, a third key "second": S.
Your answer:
{"hour": 3, "minute": 57, "second": 14}
